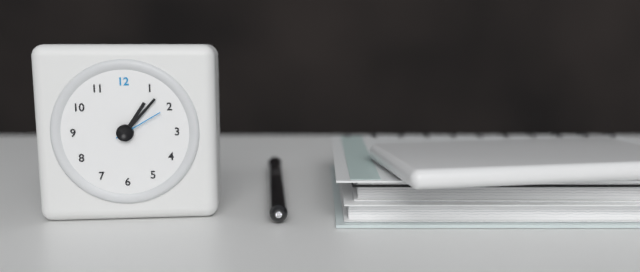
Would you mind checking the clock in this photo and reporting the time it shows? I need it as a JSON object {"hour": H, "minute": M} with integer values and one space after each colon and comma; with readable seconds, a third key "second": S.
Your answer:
{"hour": 1, "minute": 7}
